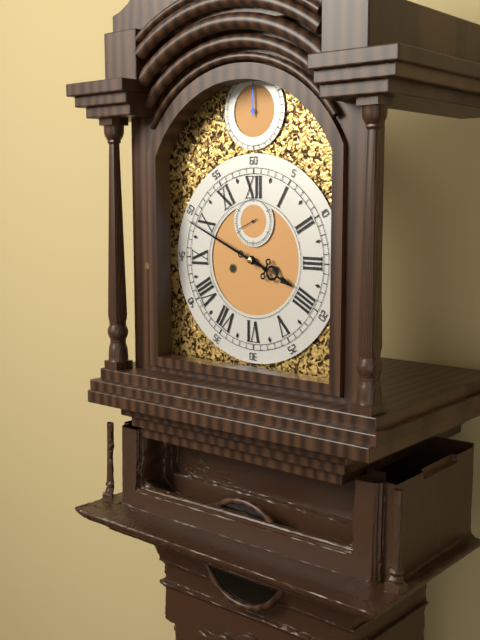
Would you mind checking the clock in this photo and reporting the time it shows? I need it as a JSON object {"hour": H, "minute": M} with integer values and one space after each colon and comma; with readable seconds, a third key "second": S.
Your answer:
{"hour": 3, "minute": 49}
